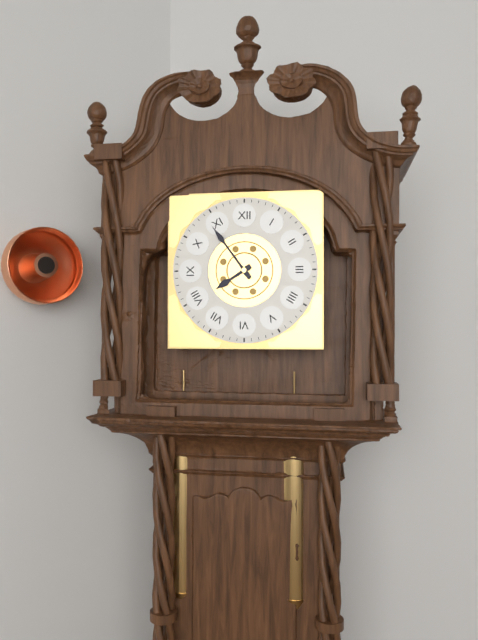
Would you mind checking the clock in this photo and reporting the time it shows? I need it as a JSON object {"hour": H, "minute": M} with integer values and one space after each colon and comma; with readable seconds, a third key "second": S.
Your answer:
{"hour": 7, "minute": 54}
